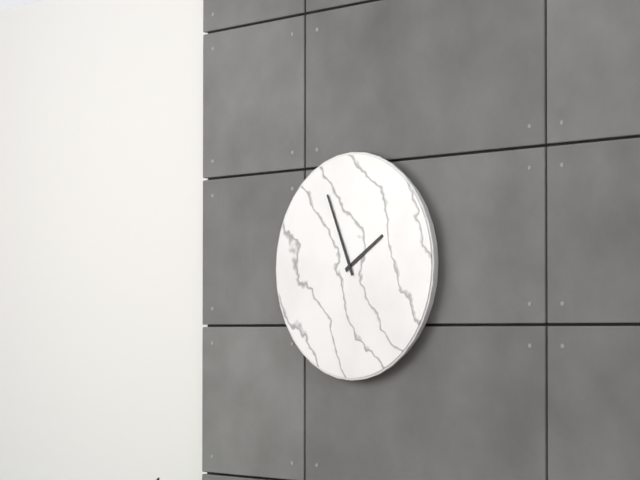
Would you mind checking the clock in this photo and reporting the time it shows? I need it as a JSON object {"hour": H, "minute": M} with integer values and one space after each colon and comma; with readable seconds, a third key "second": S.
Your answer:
{"hour": 1, "minute": 56}
